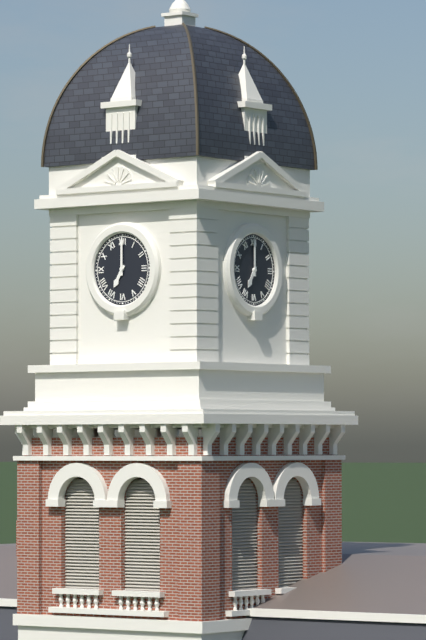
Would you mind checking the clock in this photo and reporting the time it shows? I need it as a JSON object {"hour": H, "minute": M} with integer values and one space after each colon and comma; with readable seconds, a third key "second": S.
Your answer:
{"hour": 7, "minute": 0}
